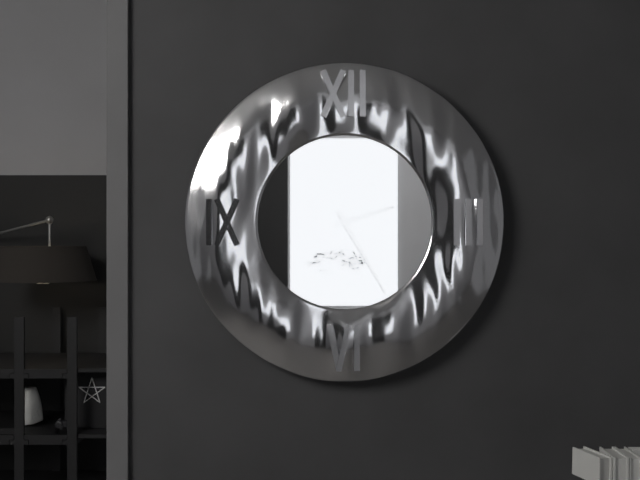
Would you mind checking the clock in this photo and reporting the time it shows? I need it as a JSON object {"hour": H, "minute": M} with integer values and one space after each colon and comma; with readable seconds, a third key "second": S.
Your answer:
{"hour": 2, "minute": 25}
